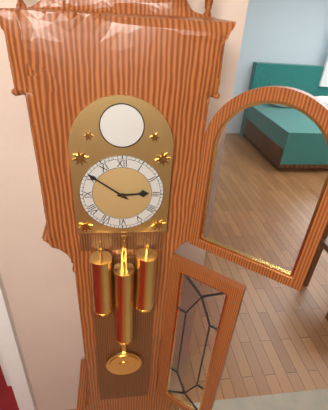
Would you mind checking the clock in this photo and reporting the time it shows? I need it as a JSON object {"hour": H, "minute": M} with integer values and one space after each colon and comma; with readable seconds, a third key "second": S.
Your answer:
{"hour": 2, "minute": 51}
